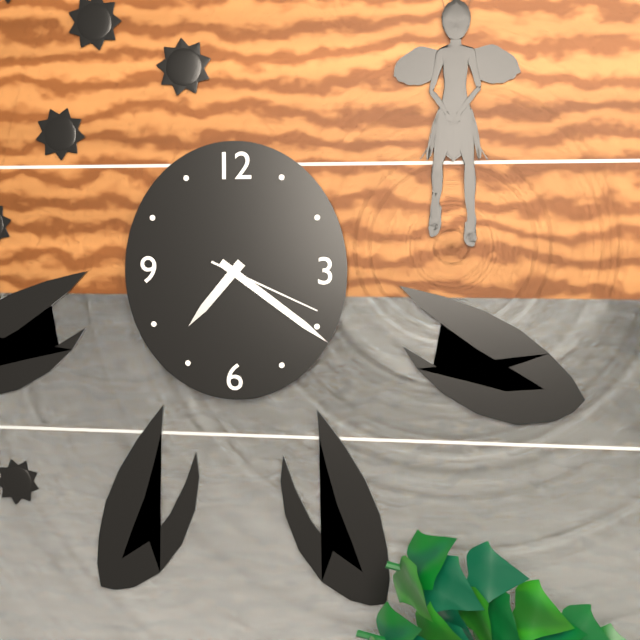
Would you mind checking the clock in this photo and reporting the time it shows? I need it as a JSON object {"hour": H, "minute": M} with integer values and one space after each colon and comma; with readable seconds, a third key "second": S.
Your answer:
{"hour": 7, "minute": 21, "second": 19}
